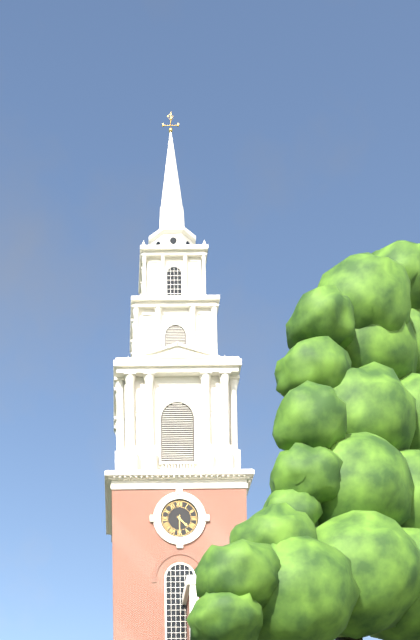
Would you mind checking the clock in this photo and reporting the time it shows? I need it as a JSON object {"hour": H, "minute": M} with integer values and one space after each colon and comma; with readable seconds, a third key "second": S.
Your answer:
{"hour": 4, "minute": 30}
